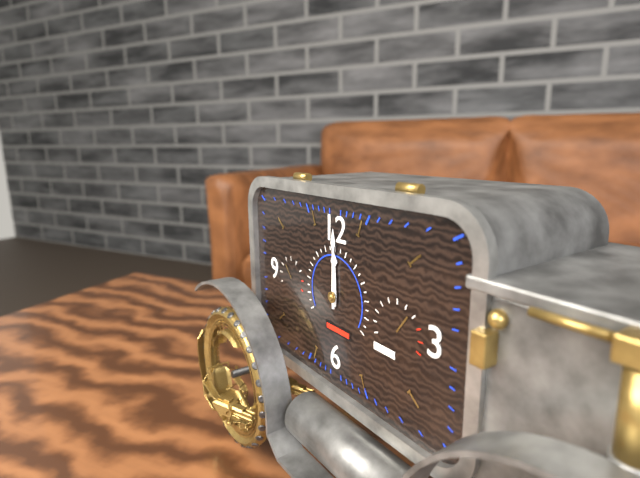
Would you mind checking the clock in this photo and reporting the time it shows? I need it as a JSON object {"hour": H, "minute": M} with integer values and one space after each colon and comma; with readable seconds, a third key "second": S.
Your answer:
{"hour": 12, "minute": 0}
